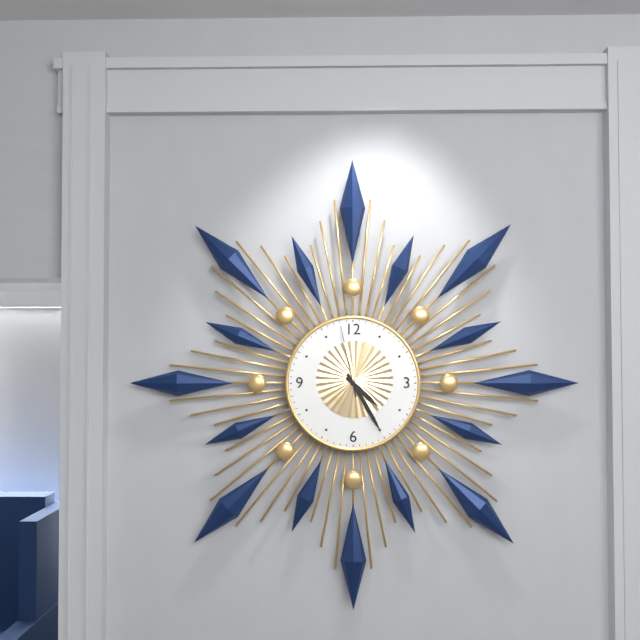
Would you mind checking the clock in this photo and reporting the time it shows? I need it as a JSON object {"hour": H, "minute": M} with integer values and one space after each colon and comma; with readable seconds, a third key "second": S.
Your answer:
{"hour": 4, "minute": 25, "second": 58}
